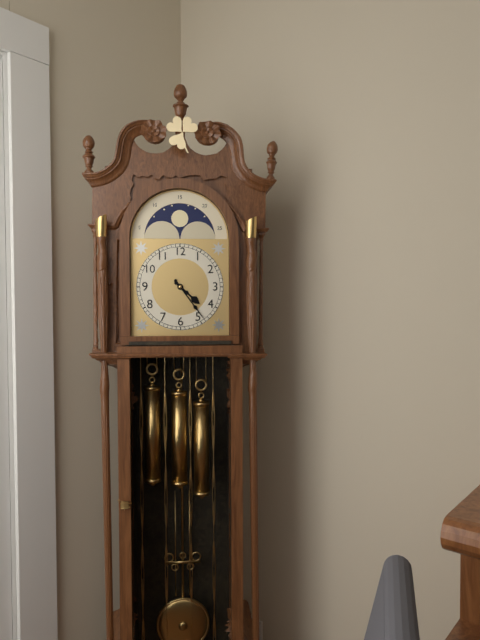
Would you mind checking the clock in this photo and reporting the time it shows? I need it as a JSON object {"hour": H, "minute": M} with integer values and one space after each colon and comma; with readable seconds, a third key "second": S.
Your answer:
{"hour": 4, "minute": 24}
